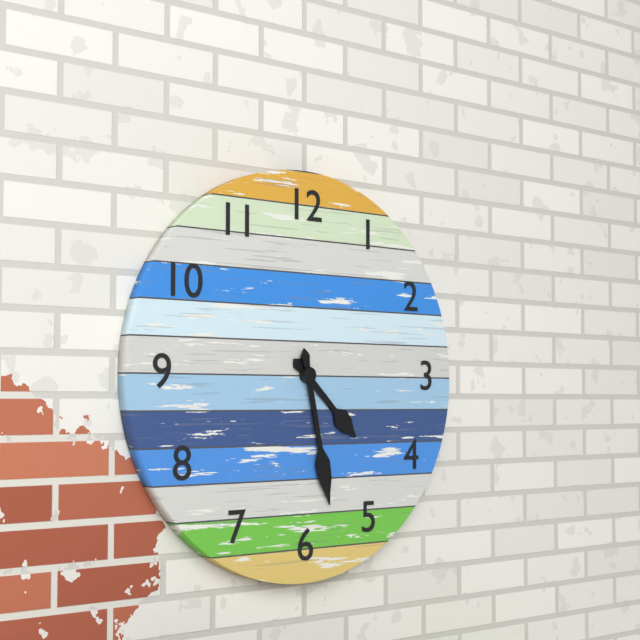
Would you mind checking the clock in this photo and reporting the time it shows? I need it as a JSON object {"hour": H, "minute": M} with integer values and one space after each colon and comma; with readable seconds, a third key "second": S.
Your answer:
{"hour": 4, "minute": 28}
